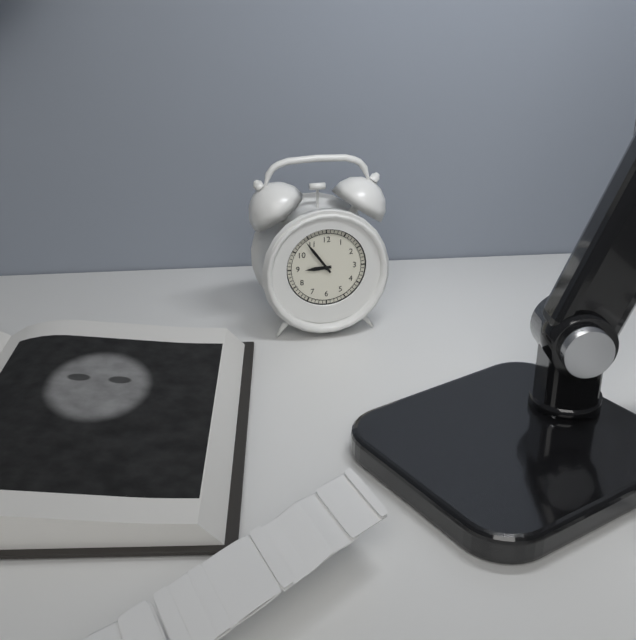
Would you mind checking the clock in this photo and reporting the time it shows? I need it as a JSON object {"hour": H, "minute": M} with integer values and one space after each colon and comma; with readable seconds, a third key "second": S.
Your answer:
{"hour": 8, "minute": 54}
